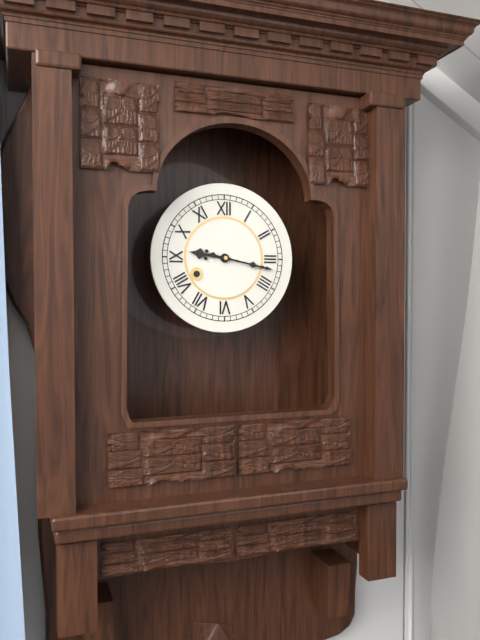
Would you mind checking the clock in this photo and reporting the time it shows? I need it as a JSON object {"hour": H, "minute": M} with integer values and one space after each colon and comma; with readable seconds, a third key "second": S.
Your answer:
{"hour": 9, "minute": 17}
